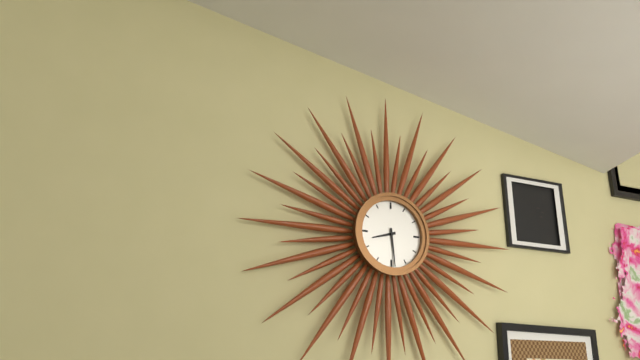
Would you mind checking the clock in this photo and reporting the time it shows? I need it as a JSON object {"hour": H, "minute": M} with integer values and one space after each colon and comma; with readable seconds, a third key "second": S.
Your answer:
{"hour": 8, "minute": 29}
